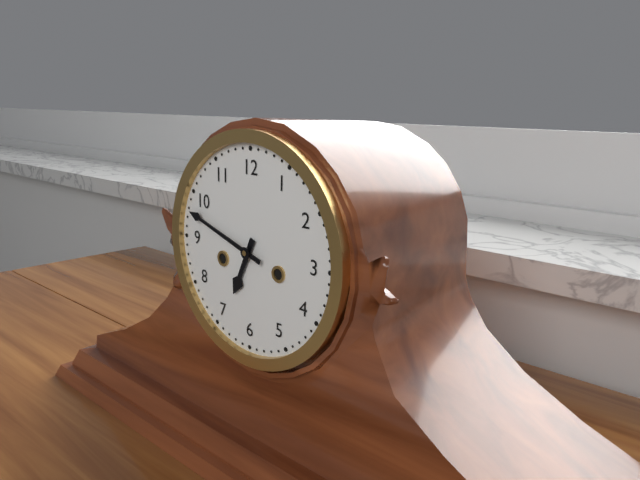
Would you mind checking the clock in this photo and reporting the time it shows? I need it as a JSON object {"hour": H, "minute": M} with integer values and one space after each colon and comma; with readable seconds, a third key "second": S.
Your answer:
{"hour": 6, "minute": 48}
